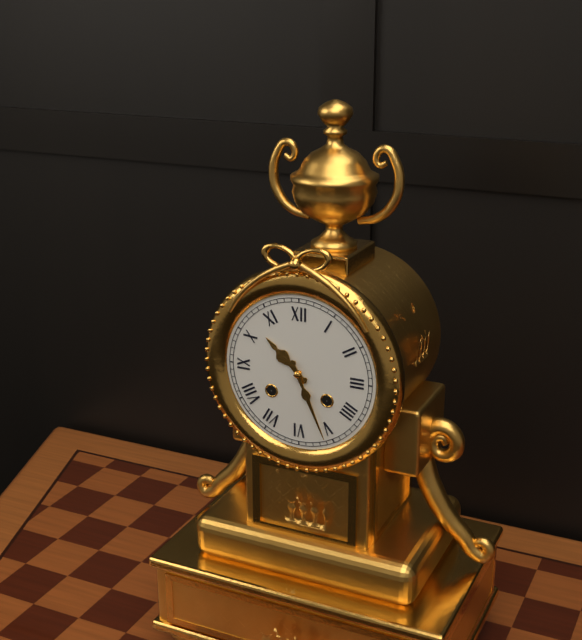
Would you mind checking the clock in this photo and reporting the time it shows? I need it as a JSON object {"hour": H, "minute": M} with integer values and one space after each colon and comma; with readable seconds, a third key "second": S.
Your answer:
{"hour": 10, "minute": 26}
